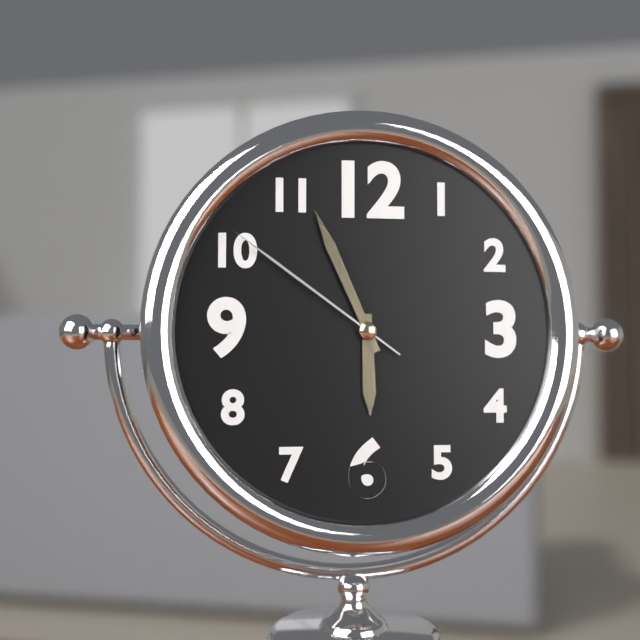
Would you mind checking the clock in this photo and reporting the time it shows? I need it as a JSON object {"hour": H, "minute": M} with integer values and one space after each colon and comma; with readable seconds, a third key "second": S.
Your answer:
{"hour": 5, "minute": 56, "second": 51}
